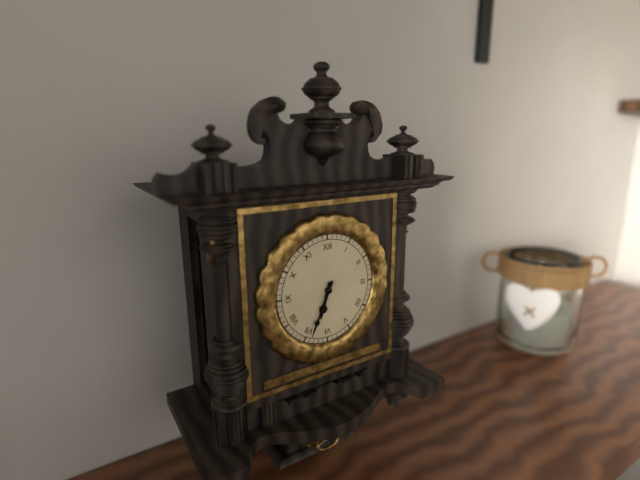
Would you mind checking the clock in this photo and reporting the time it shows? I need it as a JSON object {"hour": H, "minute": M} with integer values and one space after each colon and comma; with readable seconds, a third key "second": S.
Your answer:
{"hour": 6, "minute": 34}
